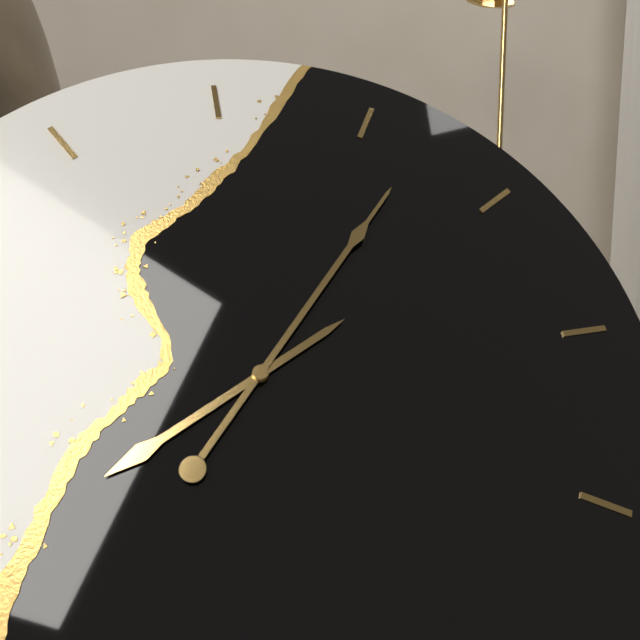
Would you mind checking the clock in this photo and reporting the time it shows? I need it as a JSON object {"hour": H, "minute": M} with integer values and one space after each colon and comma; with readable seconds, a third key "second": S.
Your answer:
{"hour": 8, "minute": 7}
